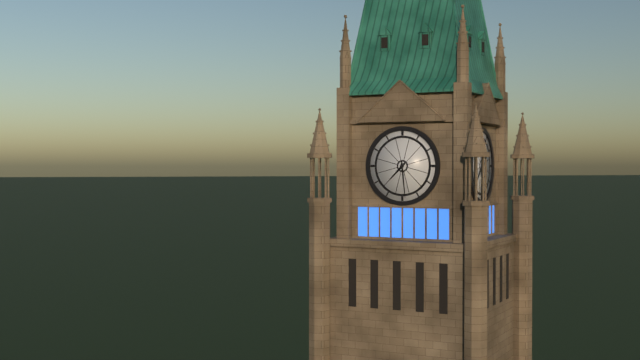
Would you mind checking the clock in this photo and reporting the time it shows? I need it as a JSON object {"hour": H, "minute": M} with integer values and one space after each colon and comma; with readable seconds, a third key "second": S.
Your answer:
{"hour": 7, "minute": 29}
